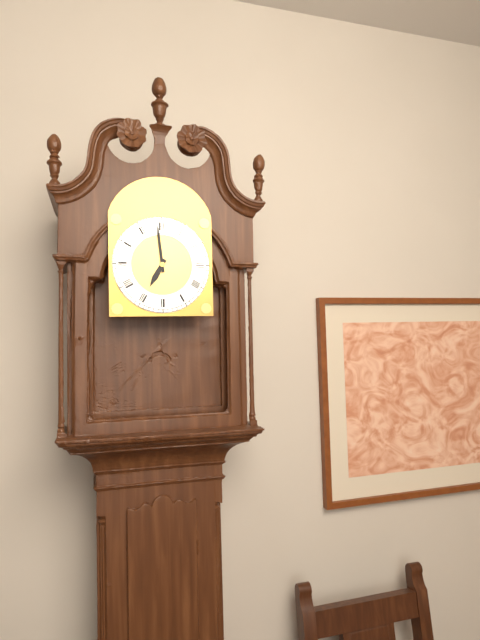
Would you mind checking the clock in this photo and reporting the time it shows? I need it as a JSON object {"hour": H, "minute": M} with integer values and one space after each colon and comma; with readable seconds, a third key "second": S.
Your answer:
{"hour": 6, "minute": 59}
